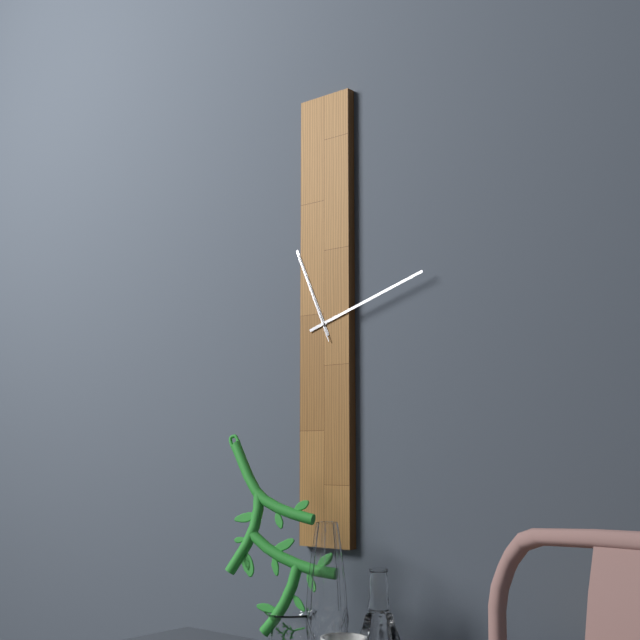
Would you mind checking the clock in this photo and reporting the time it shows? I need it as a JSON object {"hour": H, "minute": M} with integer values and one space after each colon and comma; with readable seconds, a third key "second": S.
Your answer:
{"hour": 11, "minute": 12, "second": 56}
